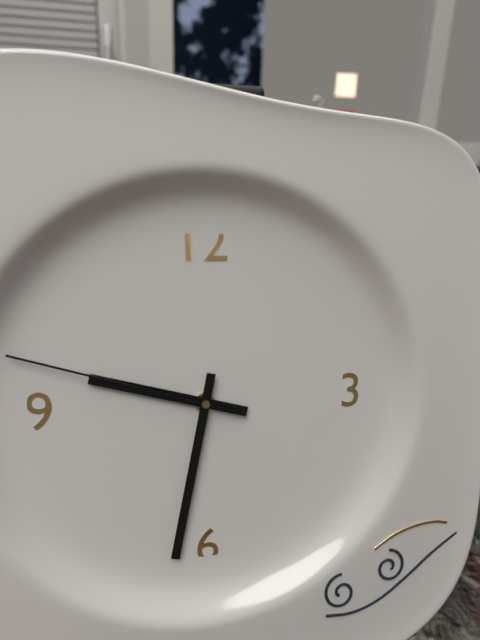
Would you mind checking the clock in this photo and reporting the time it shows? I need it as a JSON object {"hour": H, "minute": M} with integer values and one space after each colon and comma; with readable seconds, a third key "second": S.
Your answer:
{"hour": 9, "minute": 32, "second": 48}
